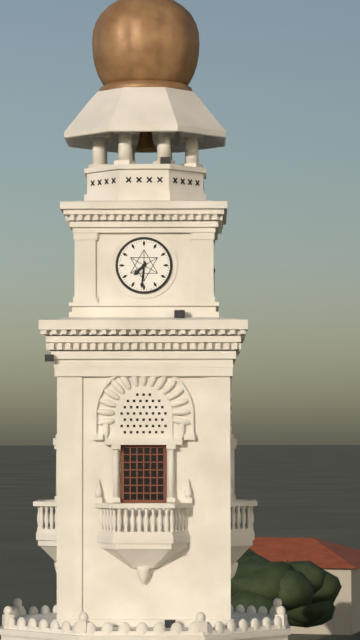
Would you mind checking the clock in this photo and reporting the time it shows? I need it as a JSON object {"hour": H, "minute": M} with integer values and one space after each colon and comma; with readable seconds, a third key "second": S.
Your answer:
{"hour": 7, "minute": 31}
